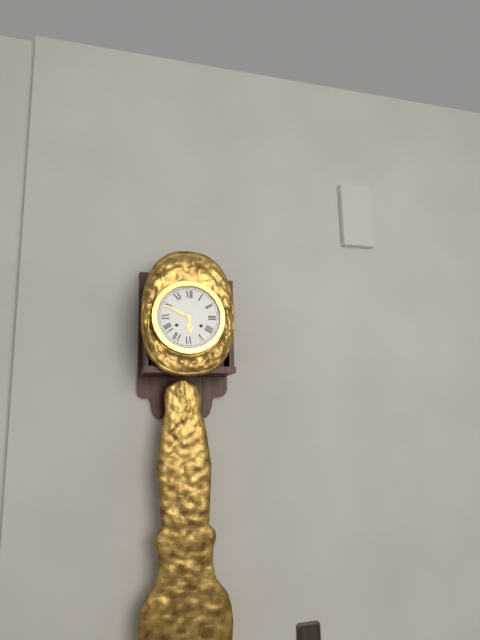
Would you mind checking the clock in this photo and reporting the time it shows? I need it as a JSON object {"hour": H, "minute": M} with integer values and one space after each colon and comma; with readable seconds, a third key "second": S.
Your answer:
{"hour": 5, "minute": 49}
